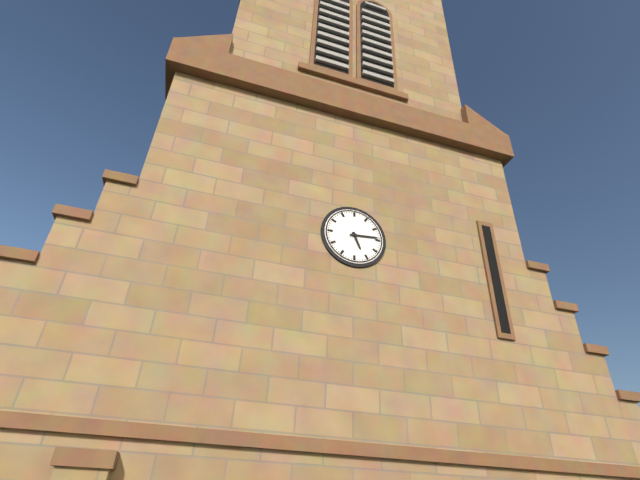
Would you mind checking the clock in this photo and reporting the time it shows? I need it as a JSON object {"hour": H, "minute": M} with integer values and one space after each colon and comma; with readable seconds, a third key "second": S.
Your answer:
{"hour": 5, "minute": 14}
